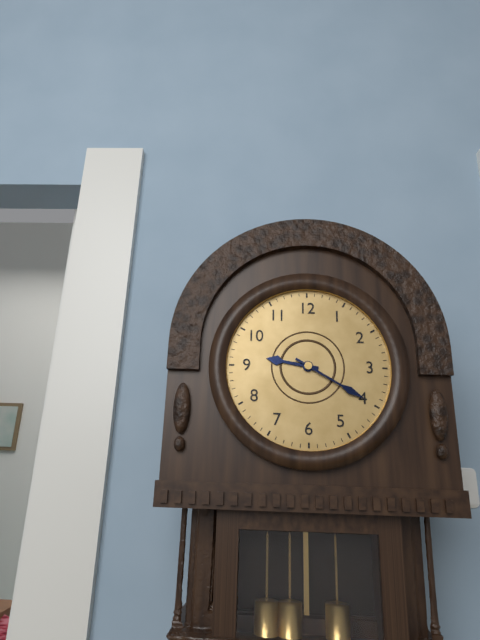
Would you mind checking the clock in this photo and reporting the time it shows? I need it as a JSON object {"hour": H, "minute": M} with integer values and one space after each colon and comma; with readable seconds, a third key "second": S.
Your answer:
{"hour": 9, "minute": 20}
